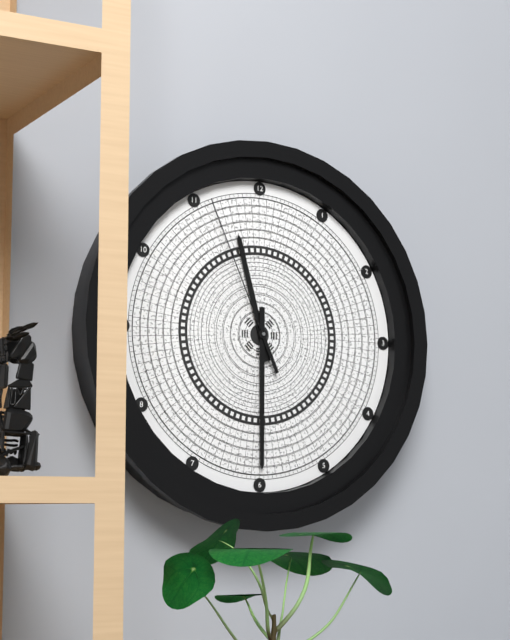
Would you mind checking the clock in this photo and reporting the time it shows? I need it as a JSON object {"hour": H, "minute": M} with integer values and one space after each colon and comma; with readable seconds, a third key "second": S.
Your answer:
{"hour": 11, "minute": 30, "second": 56}
